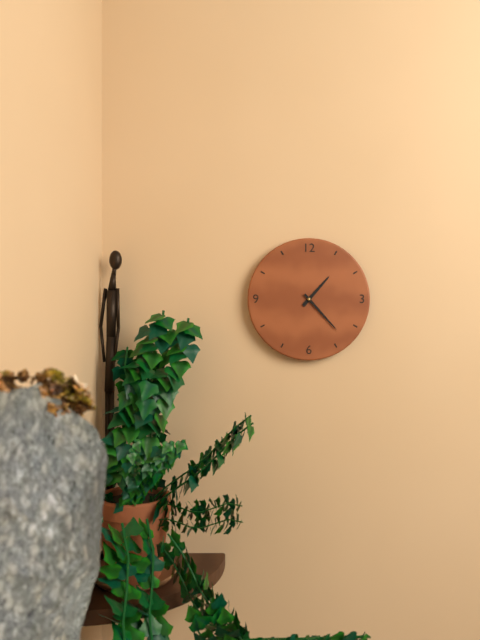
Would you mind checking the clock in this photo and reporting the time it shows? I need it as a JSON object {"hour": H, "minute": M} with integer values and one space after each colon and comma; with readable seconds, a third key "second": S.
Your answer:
{"hour": 1, "minute": 23}
